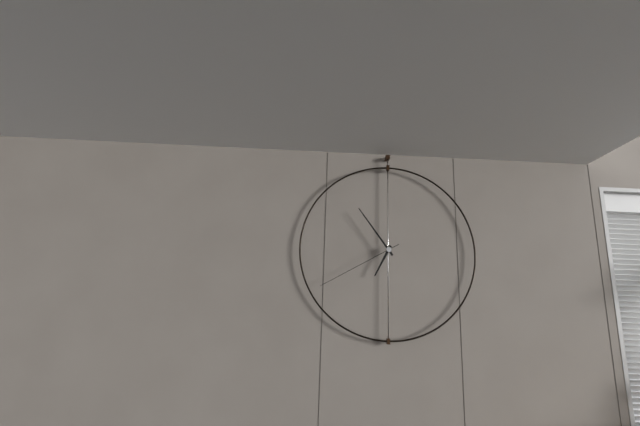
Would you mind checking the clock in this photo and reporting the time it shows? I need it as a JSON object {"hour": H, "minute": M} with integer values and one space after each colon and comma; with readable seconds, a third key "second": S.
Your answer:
{"hour": 6, "minute": 54, "second": 40}
